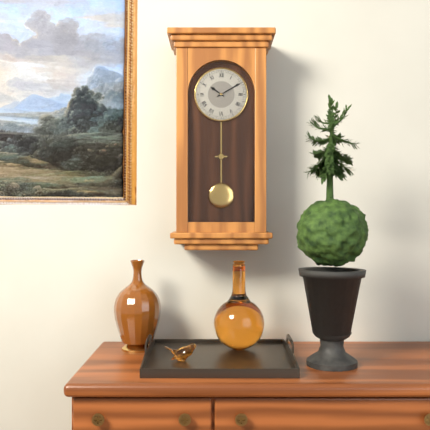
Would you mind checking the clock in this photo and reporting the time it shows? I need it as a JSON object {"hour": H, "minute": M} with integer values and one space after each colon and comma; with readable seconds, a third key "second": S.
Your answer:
{"hour": 10, "minute": 10}
